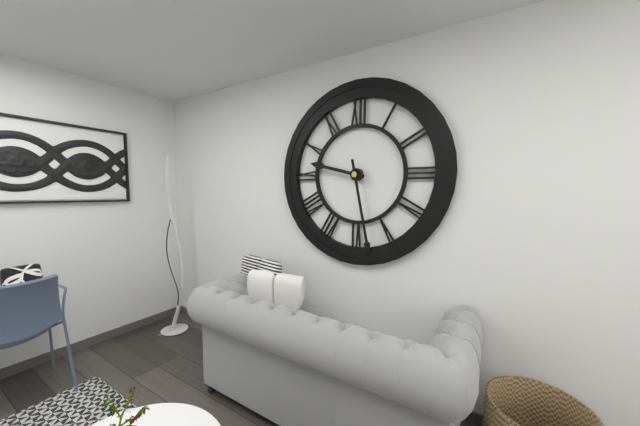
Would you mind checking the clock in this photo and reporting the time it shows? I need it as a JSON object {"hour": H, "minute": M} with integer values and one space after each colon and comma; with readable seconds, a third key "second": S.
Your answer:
{"hour": 9, "minute": 28}
